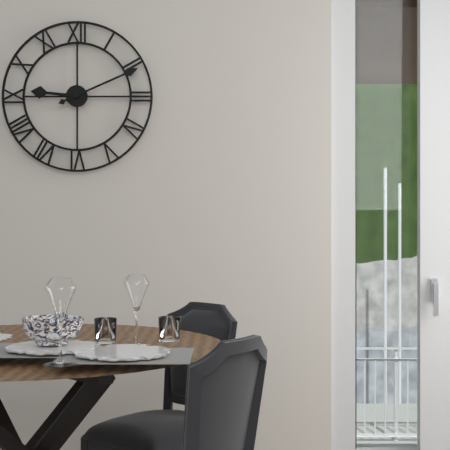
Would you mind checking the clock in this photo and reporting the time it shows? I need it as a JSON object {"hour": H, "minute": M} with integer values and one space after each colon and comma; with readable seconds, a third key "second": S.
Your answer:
{"hour": 9, "minute": 11}
